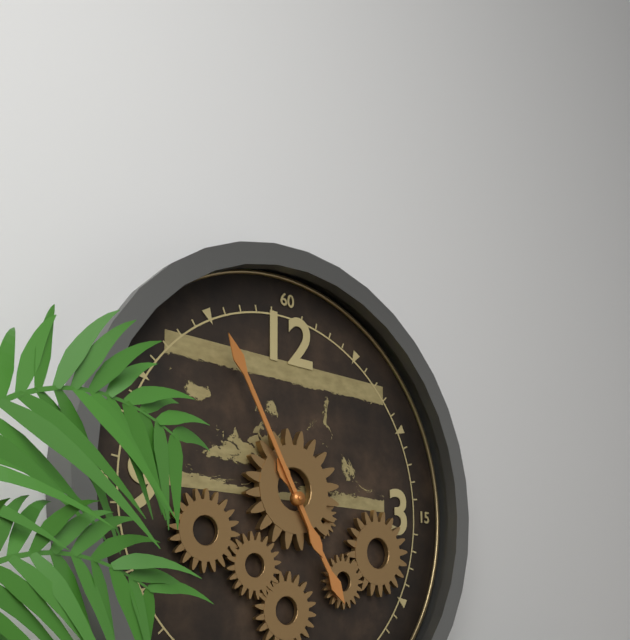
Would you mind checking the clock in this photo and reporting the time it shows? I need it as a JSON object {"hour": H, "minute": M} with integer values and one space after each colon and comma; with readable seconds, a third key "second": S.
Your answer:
{"hour": 4, "minute": 55}
